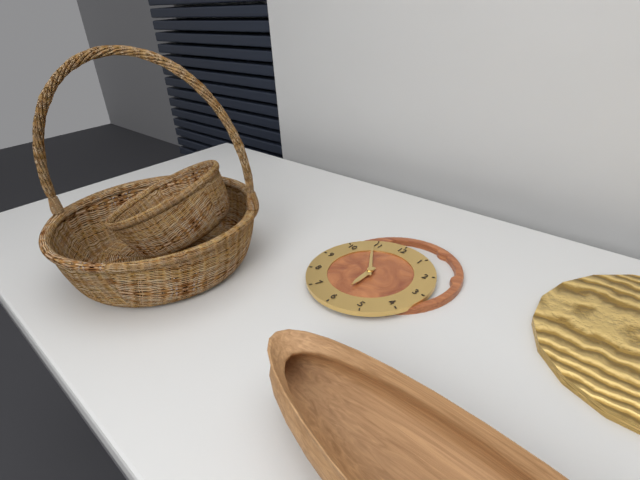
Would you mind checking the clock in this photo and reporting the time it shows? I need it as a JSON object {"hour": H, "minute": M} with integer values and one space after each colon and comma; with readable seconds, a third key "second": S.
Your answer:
{"hour": 5, "minute": 54}
